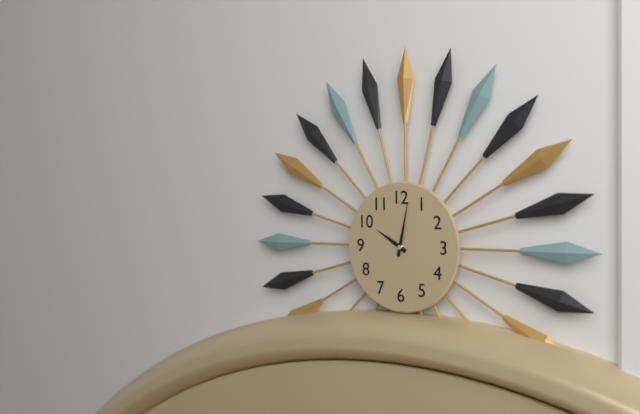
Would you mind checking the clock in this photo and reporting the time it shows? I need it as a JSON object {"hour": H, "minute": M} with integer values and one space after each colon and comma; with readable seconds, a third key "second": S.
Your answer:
{"hour": 10, "minute": 2}
